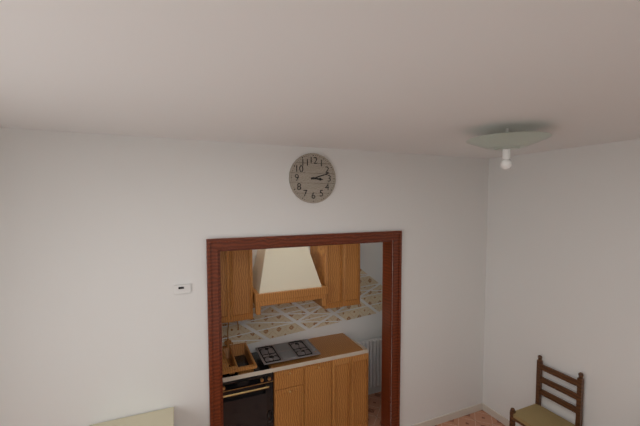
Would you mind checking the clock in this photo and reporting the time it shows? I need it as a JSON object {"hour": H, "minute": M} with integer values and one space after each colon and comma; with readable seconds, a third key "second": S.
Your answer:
{"hour": 3, "minute": 12}
